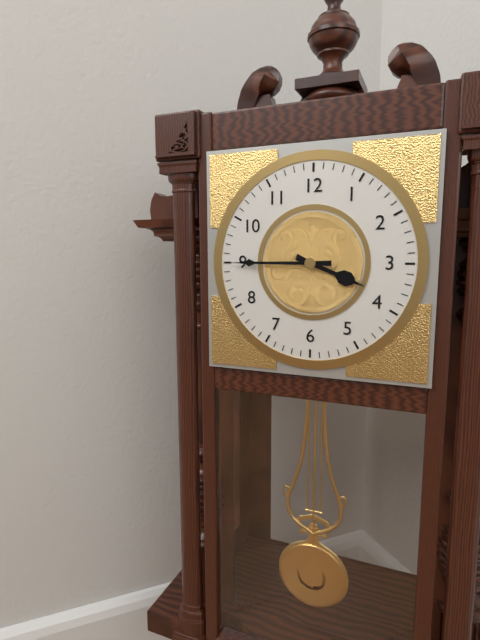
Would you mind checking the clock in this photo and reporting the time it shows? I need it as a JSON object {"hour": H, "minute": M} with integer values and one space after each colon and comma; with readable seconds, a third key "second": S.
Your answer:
{"hour": 3, "minute": 45}
